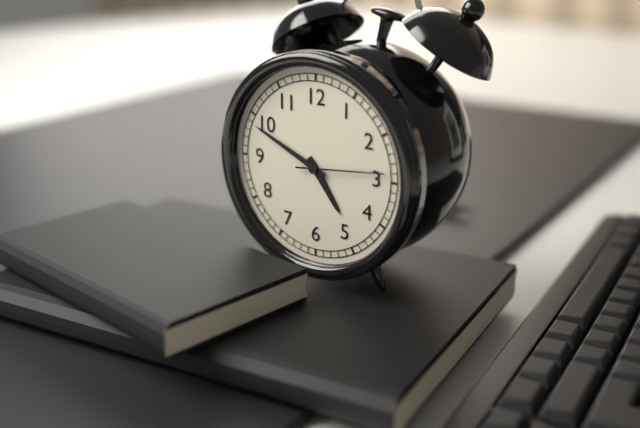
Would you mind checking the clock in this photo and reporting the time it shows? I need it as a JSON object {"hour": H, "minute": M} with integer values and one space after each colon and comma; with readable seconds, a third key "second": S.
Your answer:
{"hour": 4, "minute": 49, "second": 14}
